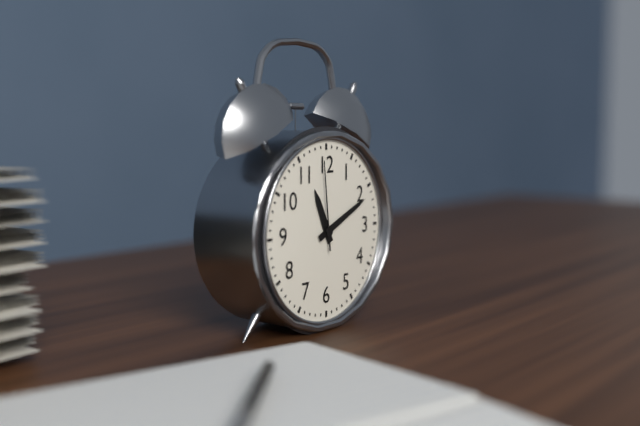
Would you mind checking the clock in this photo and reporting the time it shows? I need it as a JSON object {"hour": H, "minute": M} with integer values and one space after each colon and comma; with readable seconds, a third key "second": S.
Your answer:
{"hour": 11, "minute": 11, "second": 59}
